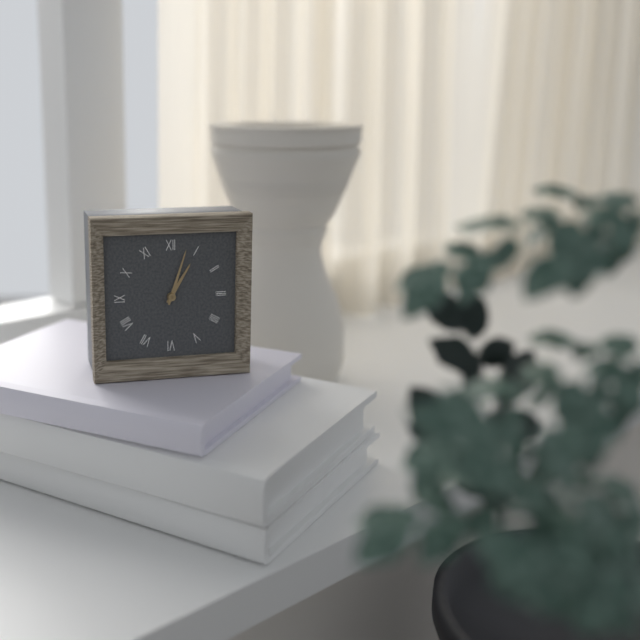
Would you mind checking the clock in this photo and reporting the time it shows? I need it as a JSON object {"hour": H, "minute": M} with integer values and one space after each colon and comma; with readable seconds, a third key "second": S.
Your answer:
{"hour": 1, "minute": 3}
